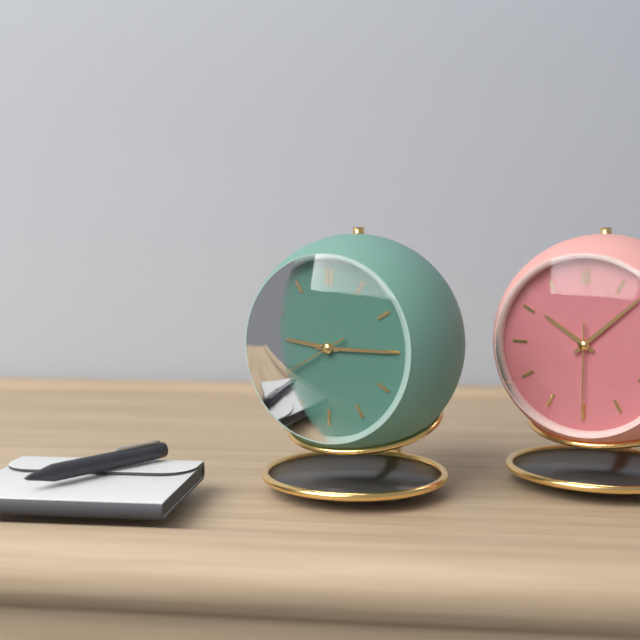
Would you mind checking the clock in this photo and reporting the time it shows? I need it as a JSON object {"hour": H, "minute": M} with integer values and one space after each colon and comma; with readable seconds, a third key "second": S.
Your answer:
{"hour": 9, "minute": 15, "second": 40}
